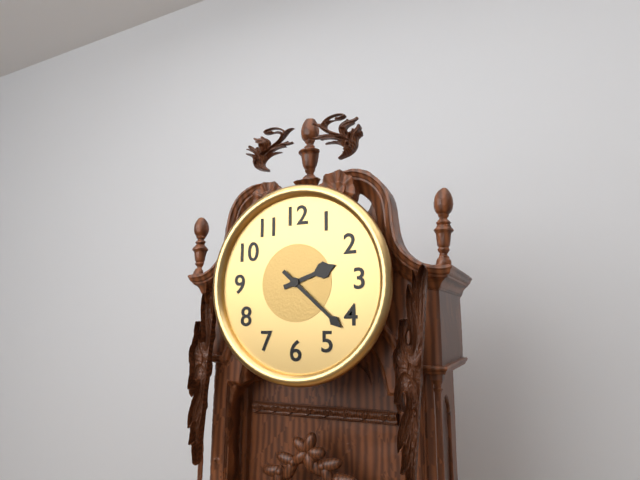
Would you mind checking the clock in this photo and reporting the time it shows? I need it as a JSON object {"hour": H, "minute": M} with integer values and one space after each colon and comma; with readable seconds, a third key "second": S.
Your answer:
{"hour": 2, "minute": 22}
